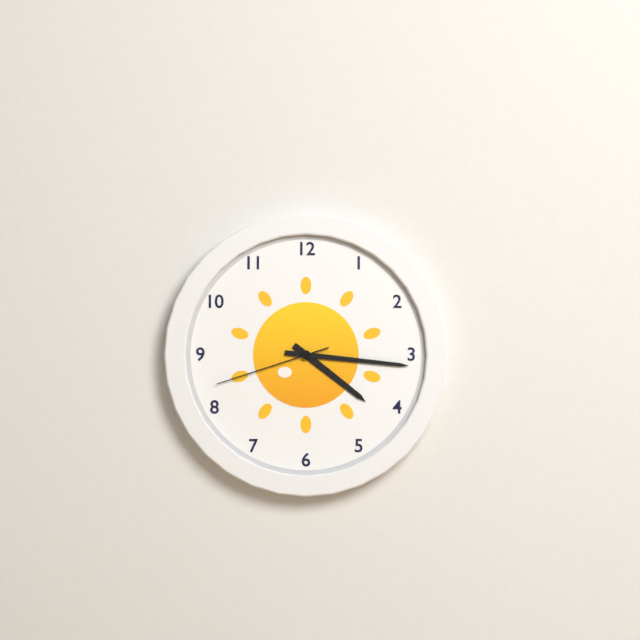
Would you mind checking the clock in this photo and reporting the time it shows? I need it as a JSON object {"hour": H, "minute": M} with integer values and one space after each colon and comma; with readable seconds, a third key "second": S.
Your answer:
{"hour": 4, "minute": 16, "second": 42}
